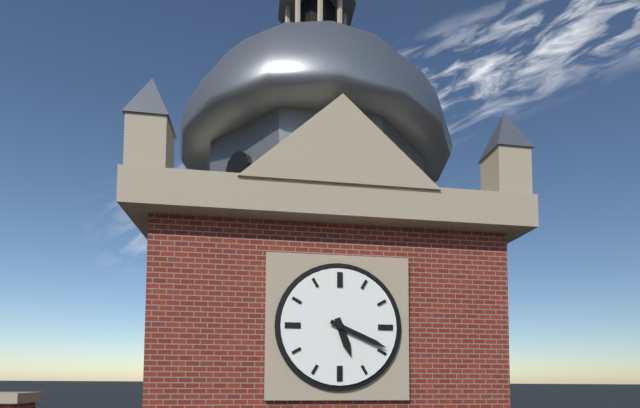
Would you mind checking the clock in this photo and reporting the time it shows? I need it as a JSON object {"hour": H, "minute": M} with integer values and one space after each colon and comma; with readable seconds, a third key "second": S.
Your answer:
{"hour": 5, "minute": 19}
